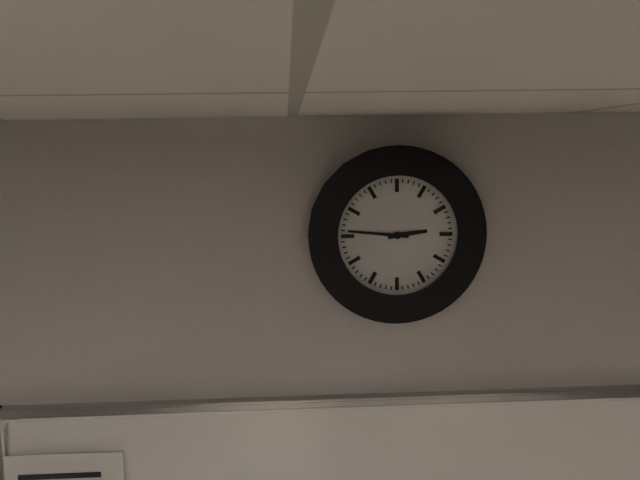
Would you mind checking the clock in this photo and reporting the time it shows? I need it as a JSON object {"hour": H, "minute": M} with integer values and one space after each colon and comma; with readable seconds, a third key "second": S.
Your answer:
{"hour": 2, "minute": 46}
